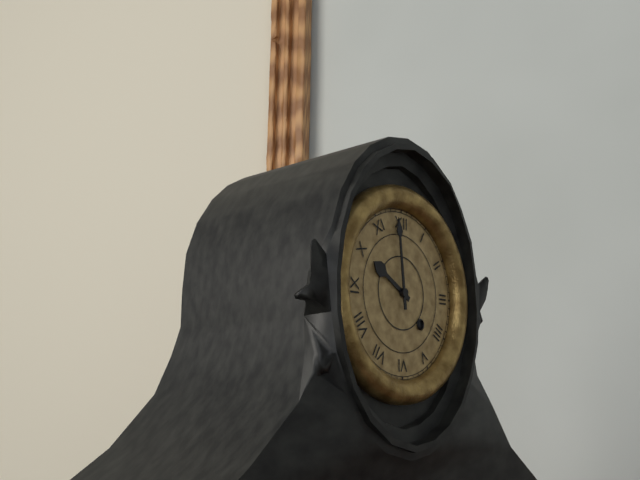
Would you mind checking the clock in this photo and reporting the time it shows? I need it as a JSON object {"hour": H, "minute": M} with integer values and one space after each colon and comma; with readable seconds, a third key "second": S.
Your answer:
{"hour": 9, "minute": 59}
